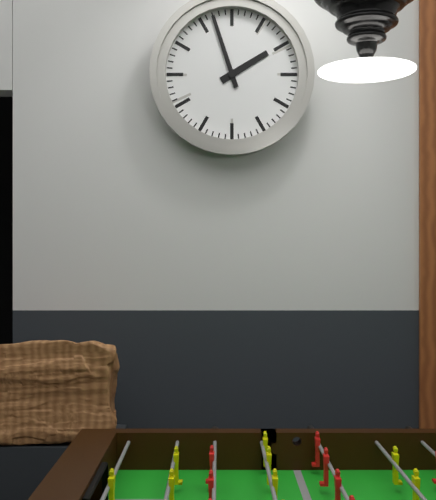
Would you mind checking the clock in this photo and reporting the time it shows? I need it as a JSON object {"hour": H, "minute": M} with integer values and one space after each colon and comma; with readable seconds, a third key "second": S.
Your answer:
{"hour": 1, "minute": 57}
